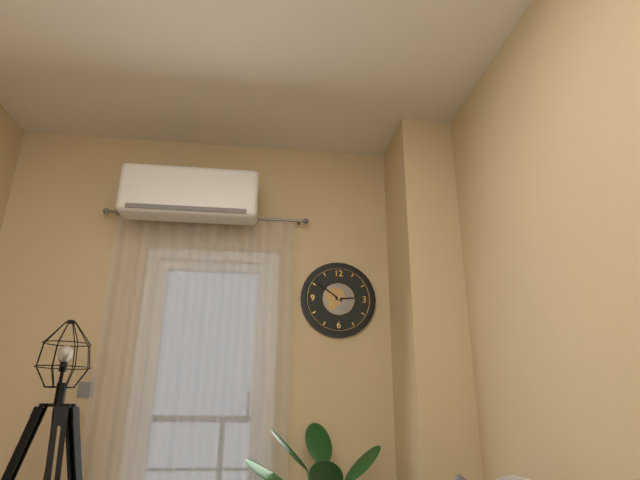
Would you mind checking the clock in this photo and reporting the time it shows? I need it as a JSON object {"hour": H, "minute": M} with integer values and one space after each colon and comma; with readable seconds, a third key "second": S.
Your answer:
{"hour": 2, "minute": 51}
